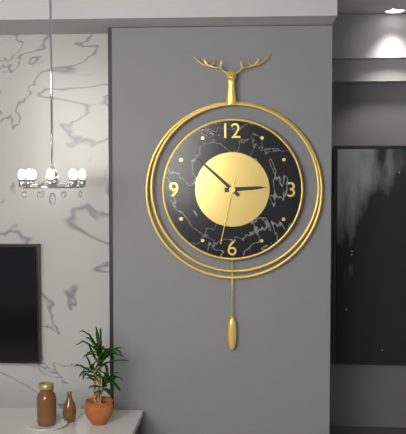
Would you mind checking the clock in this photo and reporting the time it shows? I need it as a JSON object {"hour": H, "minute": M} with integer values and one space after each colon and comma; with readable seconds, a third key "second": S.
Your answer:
{"hour": 2, "minute": 52, "second": 32}
